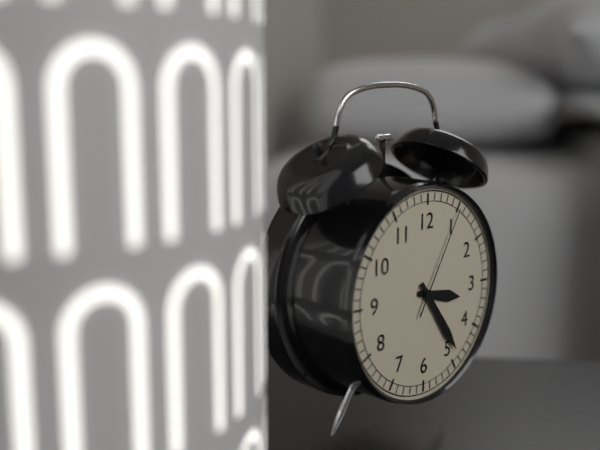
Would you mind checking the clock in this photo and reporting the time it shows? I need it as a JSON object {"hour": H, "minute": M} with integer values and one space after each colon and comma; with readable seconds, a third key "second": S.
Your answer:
{"hour": 3, "minute": 24, "second": 5}
